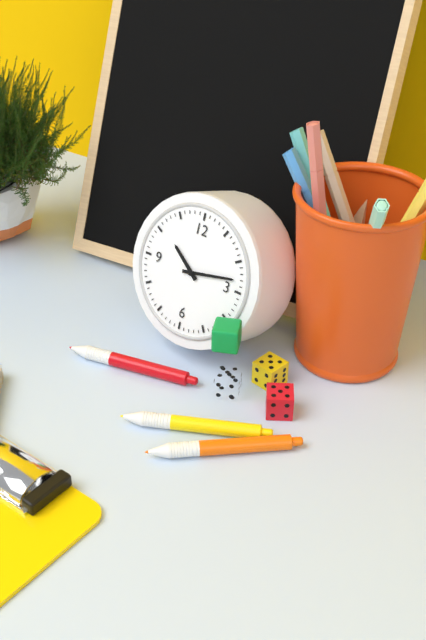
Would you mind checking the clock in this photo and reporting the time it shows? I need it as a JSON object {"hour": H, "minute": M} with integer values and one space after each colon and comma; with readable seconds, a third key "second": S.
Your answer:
{"hour": 10, "minute": 13}
